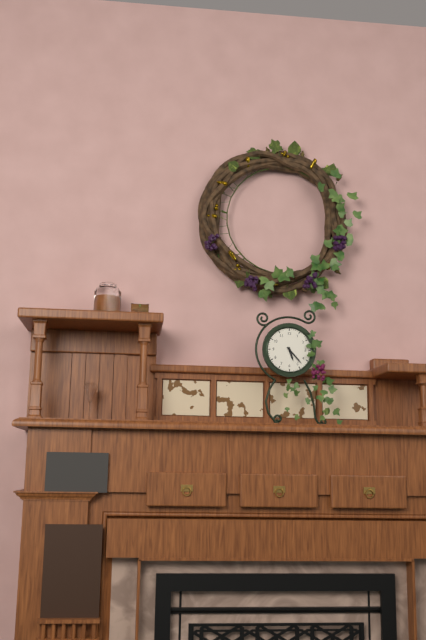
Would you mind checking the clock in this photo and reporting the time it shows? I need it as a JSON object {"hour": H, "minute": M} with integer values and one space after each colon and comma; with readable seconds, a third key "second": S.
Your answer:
{"hour": 5, "minute": 23}
